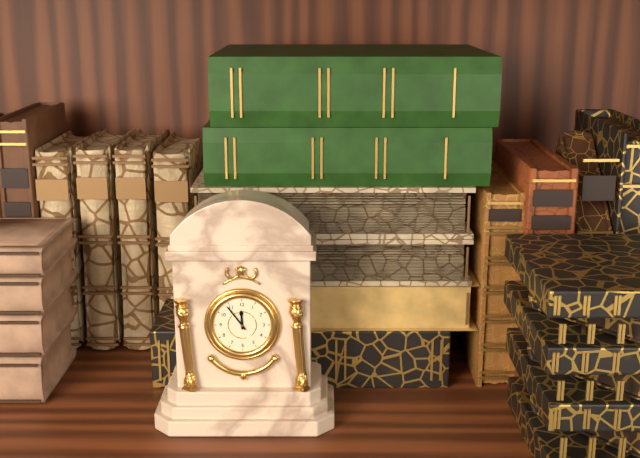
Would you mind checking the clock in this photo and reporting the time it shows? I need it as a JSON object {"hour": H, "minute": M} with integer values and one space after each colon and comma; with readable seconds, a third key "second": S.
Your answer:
{"hour": 11, "minute": 54}
